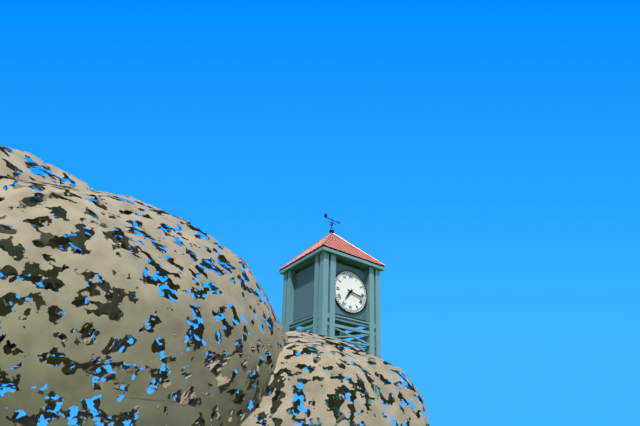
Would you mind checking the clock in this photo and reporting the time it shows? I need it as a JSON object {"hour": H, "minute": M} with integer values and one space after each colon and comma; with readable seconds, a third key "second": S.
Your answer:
{"hour": 7, "minute": 17}
